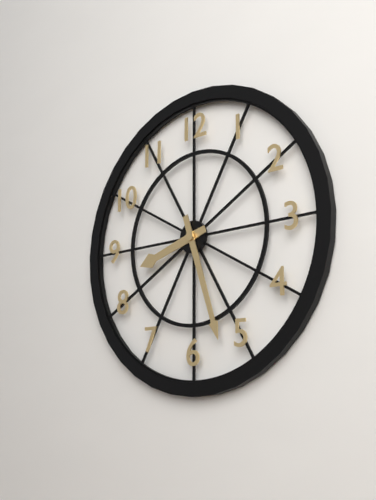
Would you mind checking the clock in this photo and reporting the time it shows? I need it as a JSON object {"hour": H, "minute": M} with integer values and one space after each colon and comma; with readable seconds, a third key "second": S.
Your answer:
{"hour": 8, "minute": 27}
